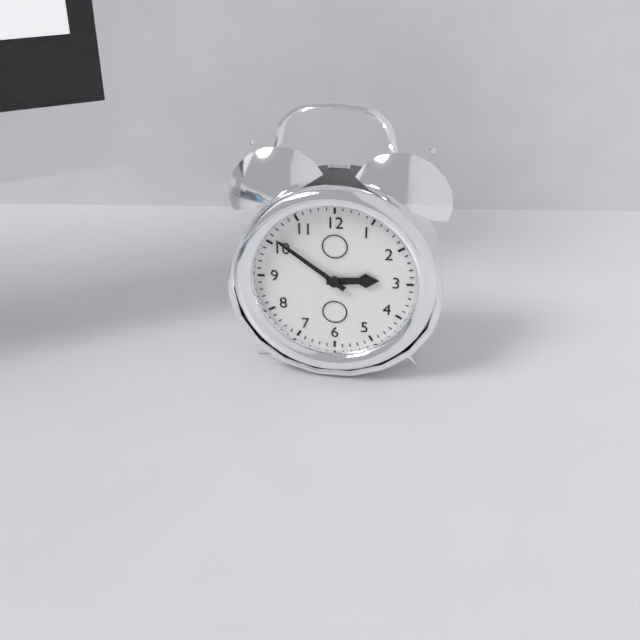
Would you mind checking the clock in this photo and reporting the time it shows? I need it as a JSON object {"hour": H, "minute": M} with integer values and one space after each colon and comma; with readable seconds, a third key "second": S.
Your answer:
{"hour": 2, "minute": 51}
